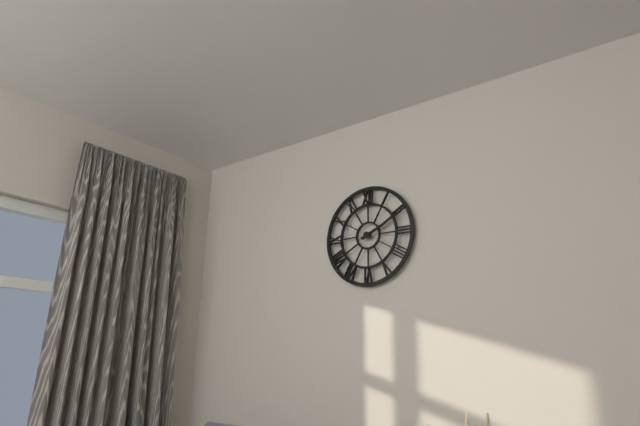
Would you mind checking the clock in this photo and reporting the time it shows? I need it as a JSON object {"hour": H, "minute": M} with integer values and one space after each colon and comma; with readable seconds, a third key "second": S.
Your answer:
{"hour": 2, "minute": 11}
